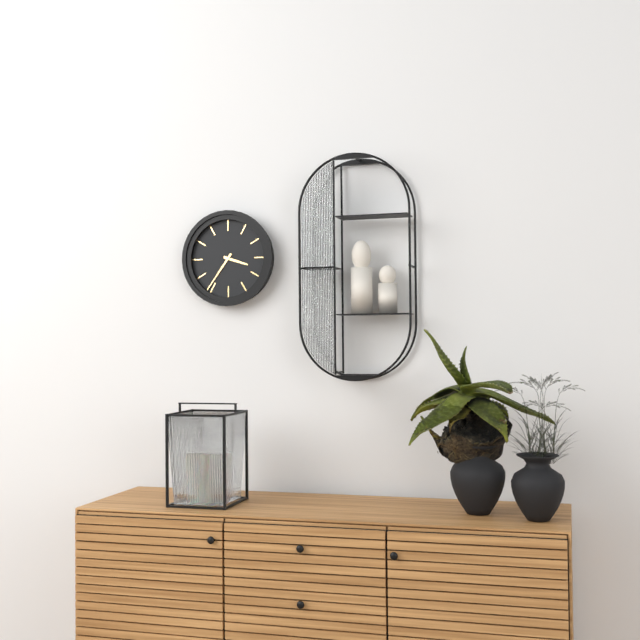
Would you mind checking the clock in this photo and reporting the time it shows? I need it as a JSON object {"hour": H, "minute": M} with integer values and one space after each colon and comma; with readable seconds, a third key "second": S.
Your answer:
{"hour": 3, "minute": 36}
